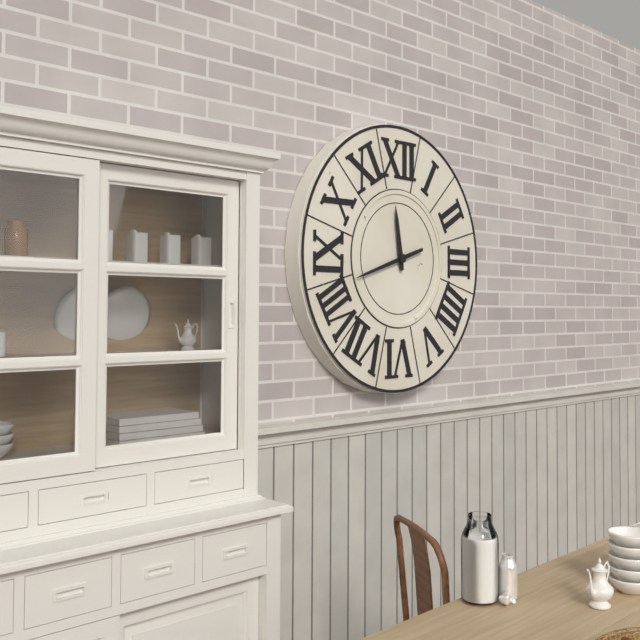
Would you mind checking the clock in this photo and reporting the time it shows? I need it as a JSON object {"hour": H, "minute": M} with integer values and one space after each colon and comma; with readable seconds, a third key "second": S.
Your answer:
{"hour": 11, "minute": 42}
